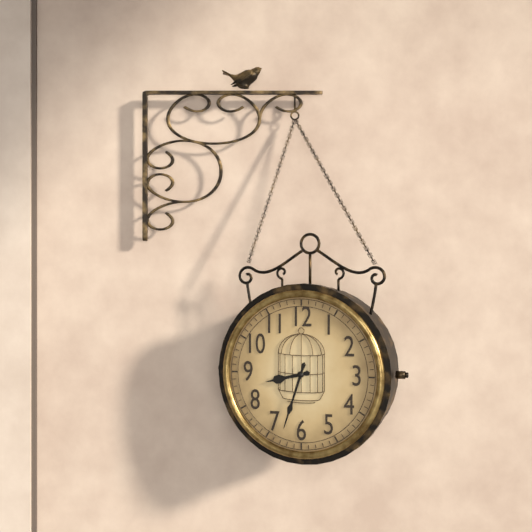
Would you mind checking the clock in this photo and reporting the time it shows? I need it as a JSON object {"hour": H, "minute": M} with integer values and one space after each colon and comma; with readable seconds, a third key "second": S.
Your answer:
{"hour": 8, "minute": 33}
